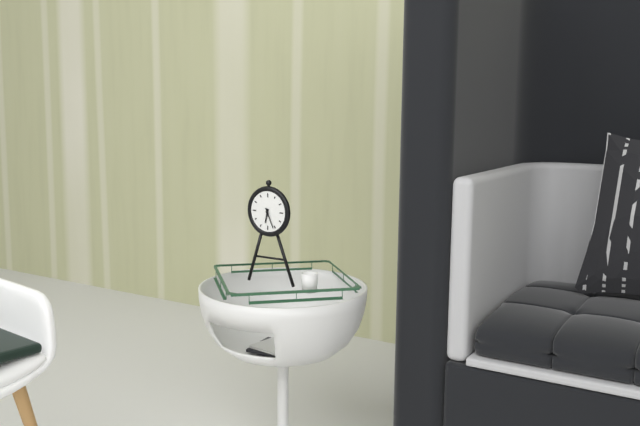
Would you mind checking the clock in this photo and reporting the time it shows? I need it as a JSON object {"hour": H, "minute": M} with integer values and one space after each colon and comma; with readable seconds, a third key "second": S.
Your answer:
{"hour": 6, "minute": 26}
